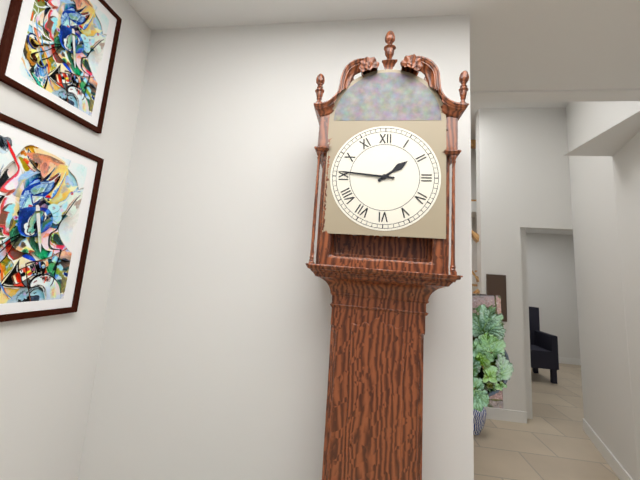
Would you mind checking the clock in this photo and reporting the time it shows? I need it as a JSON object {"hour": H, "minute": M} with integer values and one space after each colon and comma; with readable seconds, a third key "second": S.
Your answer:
{"hour": 1, "minute": 46}
